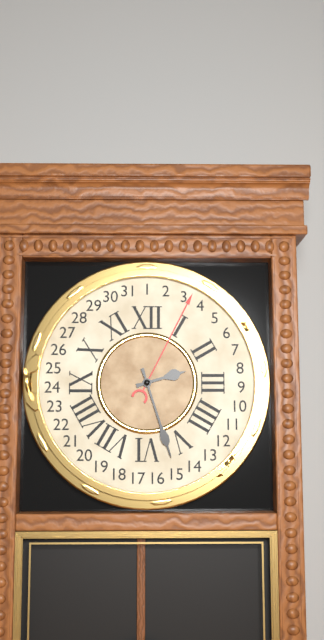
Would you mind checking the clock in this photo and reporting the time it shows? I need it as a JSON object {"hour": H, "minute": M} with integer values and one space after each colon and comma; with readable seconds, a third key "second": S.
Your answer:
{"hour": 2, "minute": 27}
